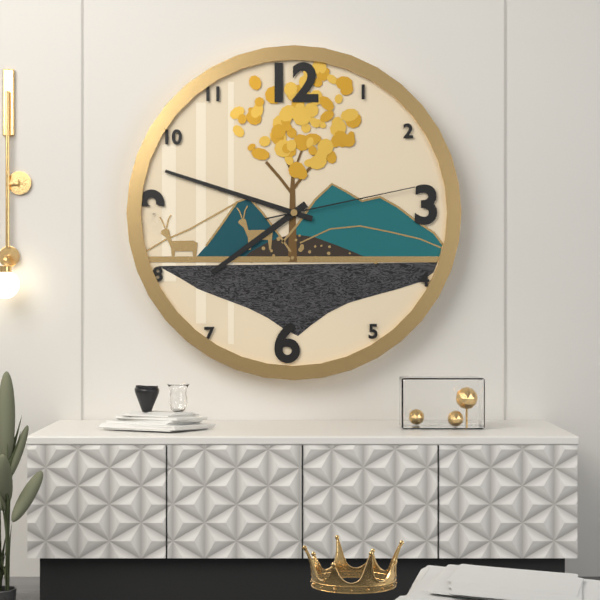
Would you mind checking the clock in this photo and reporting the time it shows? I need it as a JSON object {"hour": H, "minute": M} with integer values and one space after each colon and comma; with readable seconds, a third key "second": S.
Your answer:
{"hour": 7, "minute": 48, "second": 13}
